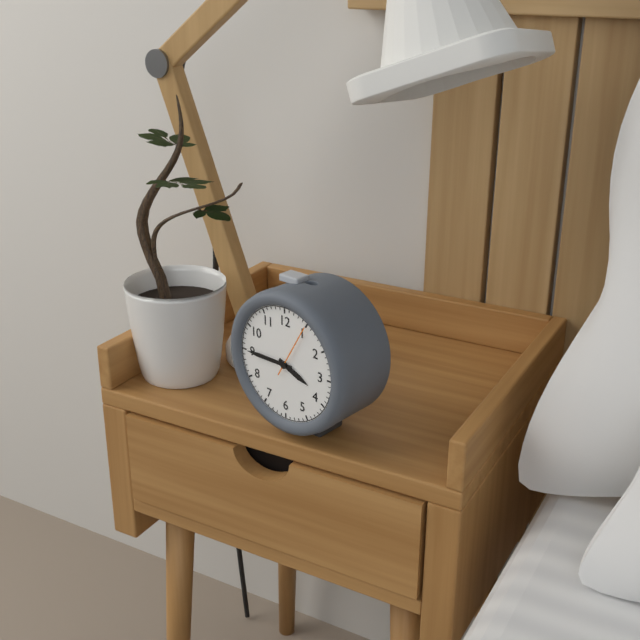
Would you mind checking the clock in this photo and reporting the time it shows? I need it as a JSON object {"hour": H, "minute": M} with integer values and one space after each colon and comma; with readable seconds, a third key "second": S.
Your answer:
{"hour": 3, "minute": 45}
